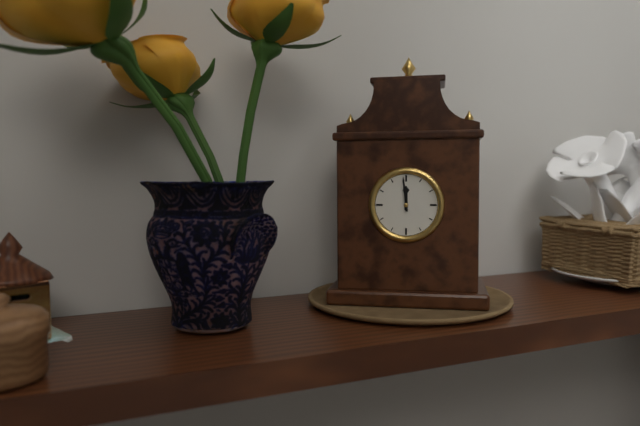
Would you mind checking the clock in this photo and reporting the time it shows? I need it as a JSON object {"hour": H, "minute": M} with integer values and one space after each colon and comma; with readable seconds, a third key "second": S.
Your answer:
{"hour": 11, "minute": 59}
